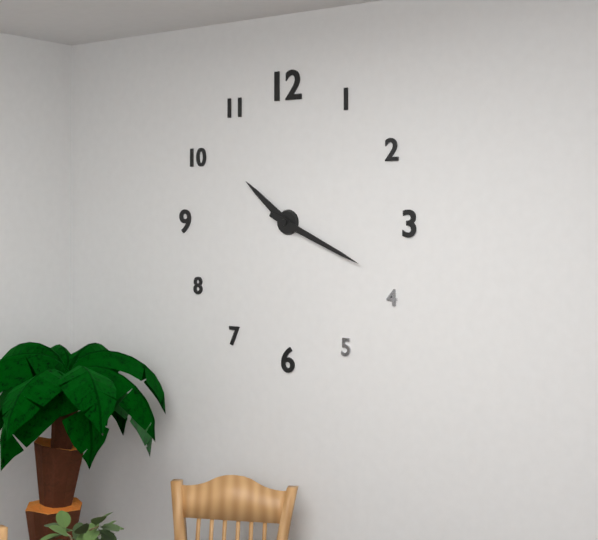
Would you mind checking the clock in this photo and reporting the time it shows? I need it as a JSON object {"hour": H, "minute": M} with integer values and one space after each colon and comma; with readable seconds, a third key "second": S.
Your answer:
{"hour": 10, "minute": 19}
